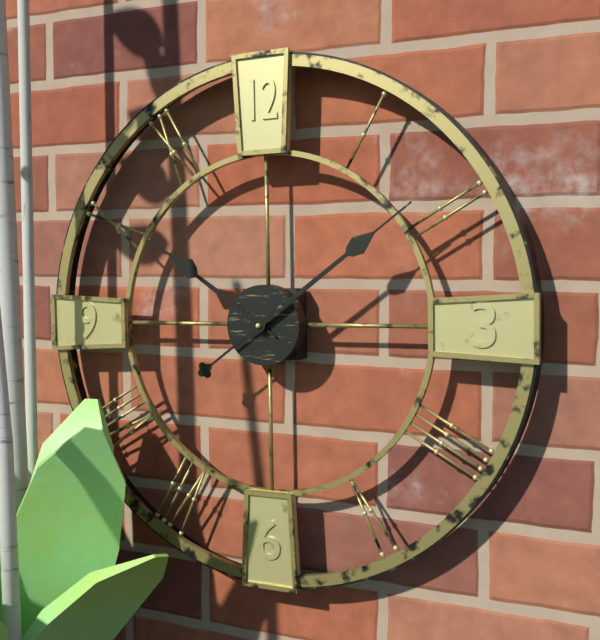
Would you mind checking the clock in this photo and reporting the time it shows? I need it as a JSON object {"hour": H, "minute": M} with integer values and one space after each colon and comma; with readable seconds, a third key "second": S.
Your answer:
{"hour": 10, "minute": 9}
